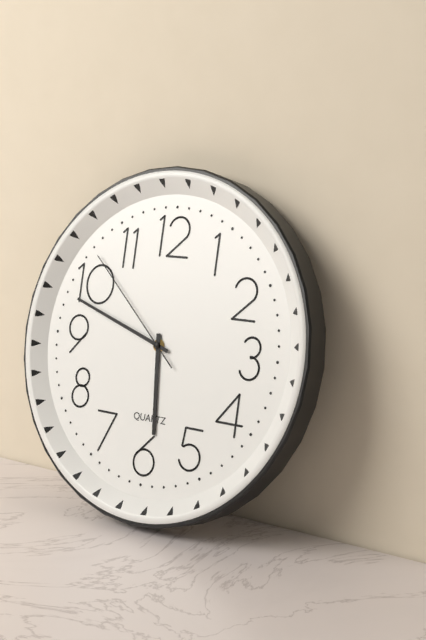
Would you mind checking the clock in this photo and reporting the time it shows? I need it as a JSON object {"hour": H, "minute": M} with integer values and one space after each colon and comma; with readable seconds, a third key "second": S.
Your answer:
{"hour": 5, "minute": 48, "second": 52}
